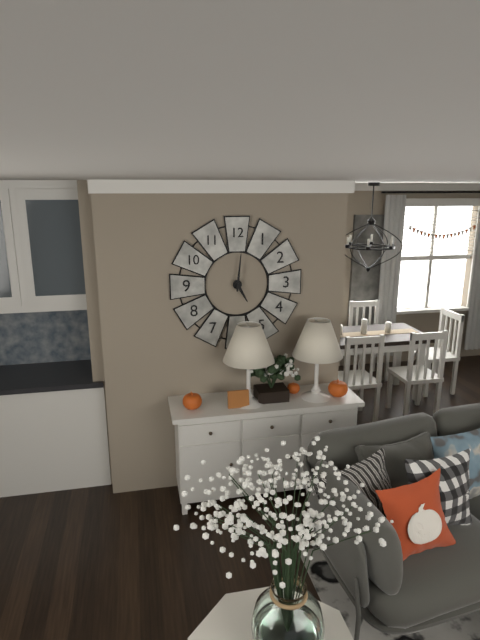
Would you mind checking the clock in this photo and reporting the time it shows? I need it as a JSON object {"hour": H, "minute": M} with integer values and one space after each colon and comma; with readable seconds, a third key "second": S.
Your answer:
{"hour": 5, "minute": 1}
